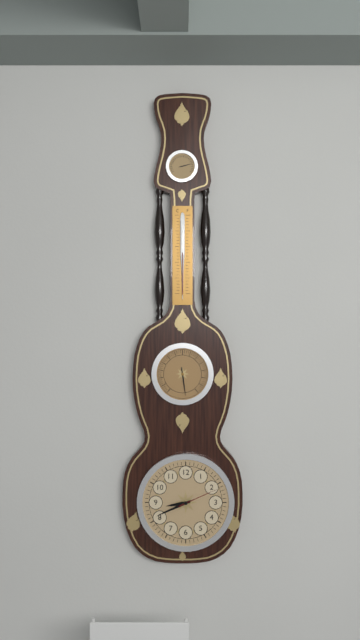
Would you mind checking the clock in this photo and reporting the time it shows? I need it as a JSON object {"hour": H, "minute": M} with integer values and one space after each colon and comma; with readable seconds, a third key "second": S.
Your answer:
{"hour": 8, "minute": 41}
